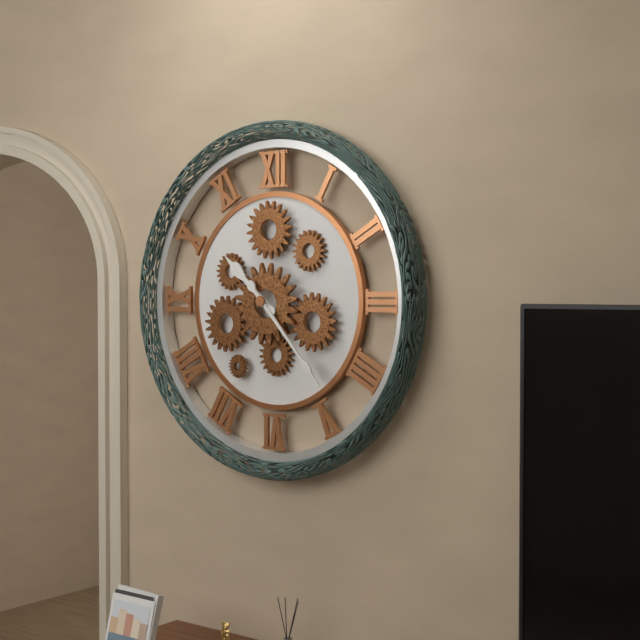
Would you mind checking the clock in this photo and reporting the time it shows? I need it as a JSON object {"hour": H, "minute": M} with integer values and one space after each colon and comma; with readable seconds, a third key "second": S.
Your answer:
{"hour": 10, "minute": 23}
